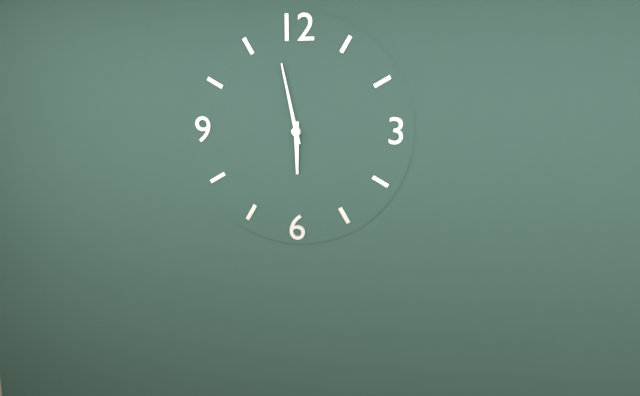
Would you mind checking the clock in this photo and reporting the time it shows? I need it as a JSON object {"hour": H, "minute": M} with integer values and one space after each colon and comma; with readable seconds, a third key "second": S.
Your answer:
{"hour": 5, "minute": 58}
